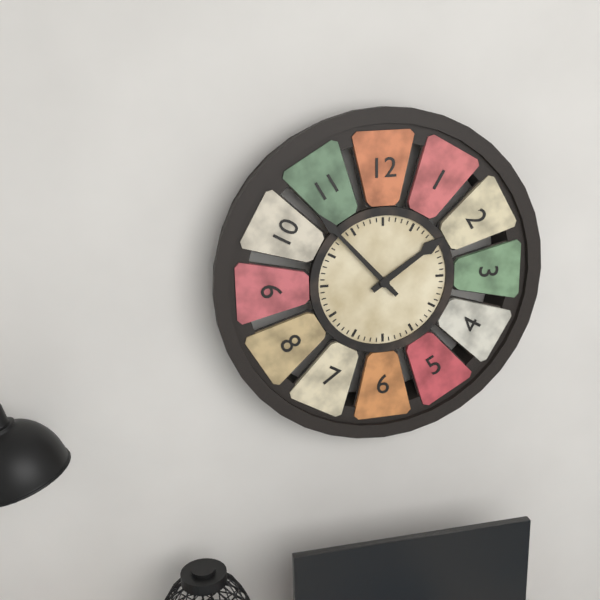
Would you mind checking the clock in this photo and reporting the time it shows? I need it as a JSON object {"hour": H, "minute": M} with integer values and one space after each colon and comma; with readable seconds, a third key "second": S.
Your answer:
{"hour": 1, "minute": 53}
